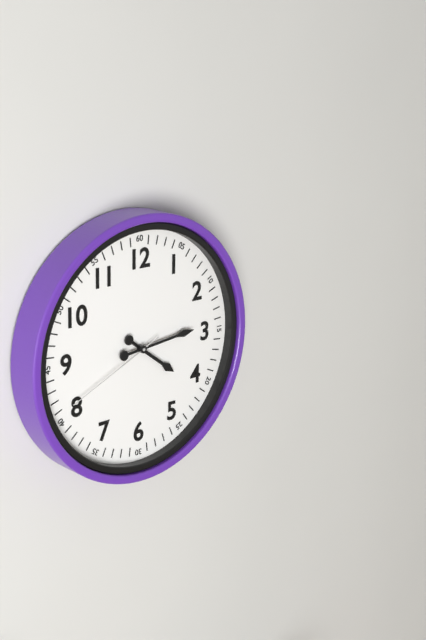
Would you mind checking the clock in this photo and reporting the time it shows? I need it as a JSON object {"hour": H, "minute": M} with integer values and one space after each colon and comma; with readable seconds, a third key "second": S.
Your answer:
{"hour": 4, "minute": 14, "second": 41}
